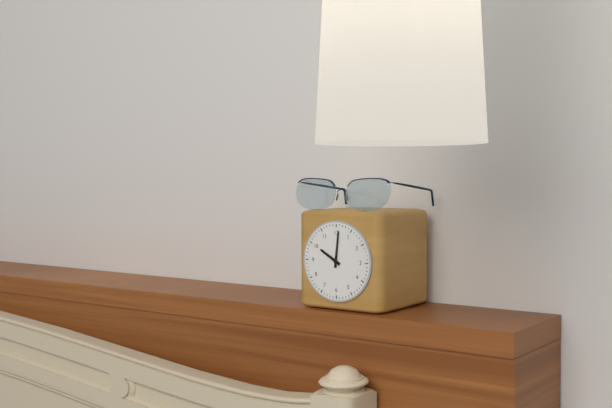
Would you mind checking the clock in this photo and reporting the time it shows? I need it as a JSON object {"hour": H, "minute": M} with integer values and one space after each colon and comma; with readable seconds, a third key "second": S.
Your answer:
{"hour": 10, "minute": 1}
